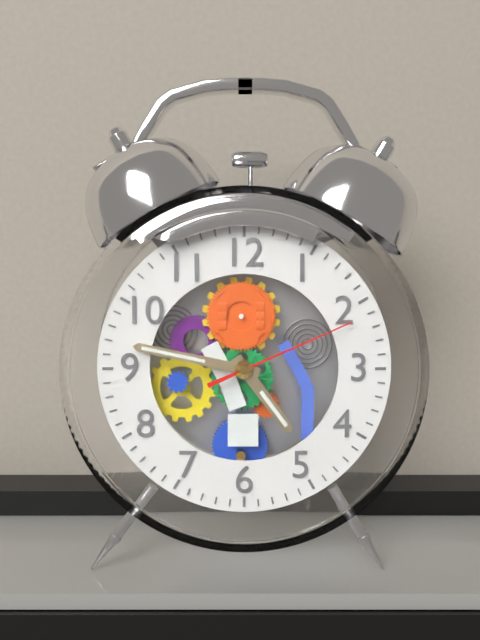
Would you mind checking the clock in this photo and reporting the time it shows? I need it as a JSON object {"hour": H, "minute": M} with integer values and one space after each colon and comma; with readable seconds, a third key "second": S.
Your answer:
{"hour": 4, "minute": 47, "second": 11}
